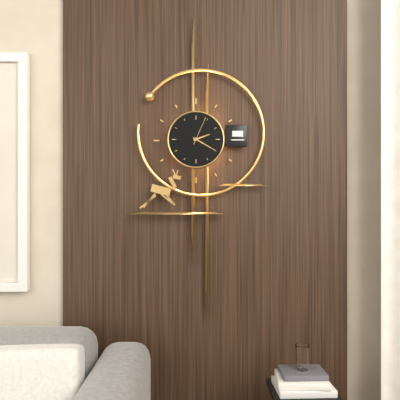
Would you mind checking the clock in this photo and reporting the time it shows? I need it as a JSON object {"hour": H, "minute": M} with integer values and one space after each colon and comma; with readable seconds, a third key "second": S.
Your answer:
{"hour": 2, "minute": 20}
